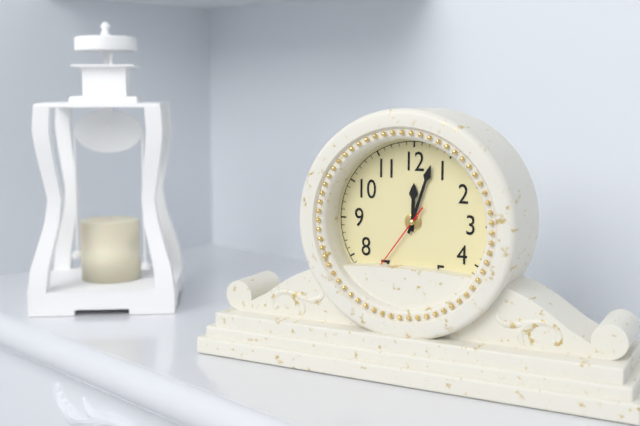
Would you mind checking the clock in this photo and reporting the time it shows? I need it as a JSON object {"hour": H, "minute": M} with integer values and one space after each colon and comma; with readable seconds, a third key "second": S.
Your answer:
{"hour": 12, "minute": 3, "second": 36}
